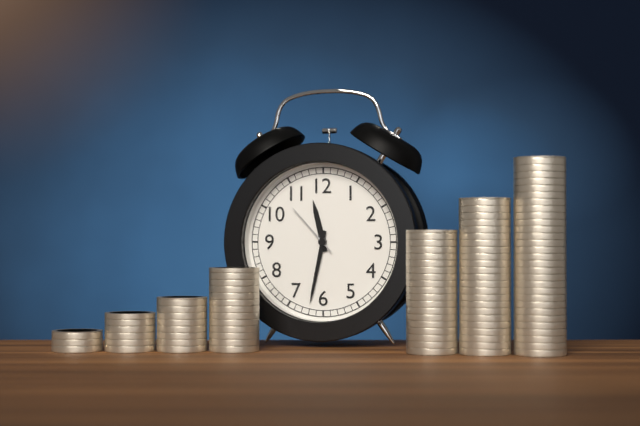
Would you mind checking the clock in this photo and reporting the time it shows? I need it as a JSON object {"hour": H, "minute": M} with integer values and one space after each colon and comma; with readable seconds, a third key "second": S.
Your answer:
{"hour": 11, "minute": 32, "second": 53}
